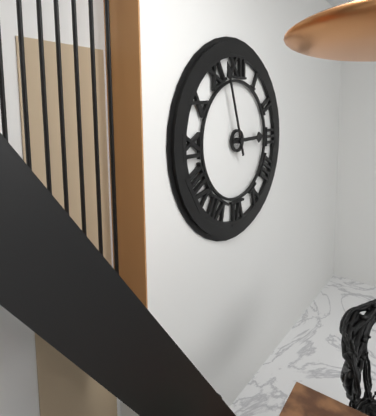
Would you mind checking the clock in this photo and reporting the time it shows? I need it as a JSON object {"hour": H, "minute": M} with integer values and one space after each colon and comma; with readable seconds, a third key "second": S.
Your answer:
{"hour": 2, "minute": 57}
